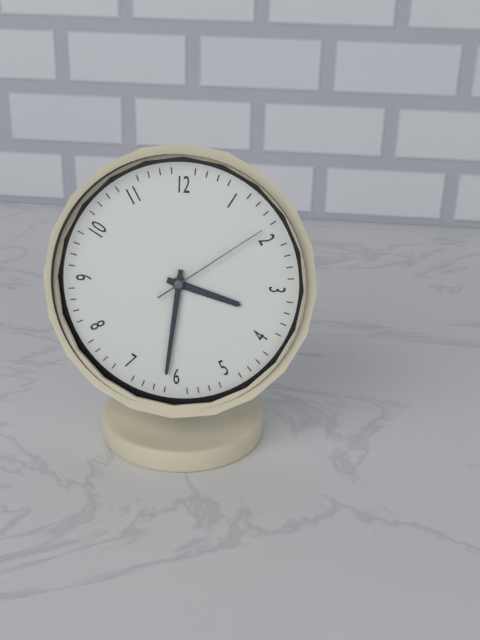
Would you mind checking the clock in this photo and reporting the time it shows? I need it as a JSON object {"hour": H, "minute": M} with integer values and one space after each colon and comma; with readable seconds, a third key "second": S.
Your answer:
{"hour": 3, "minute": 31, "second": 9}
